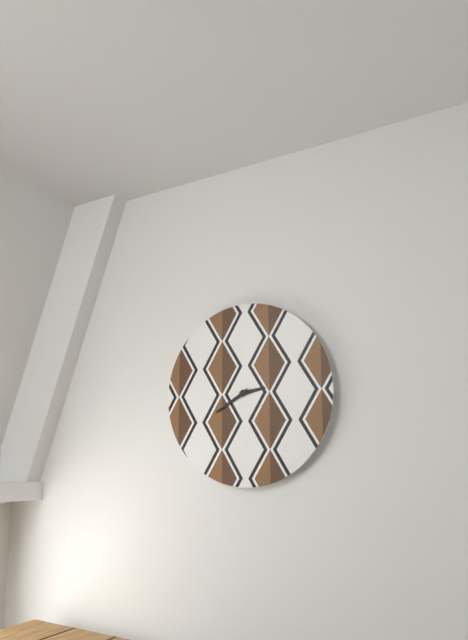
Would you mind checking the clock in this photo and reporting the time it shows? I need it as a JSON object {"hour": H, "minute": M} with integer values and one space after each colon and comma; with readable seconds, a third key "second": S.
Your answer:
{"hour": 2, "minute": 40}
